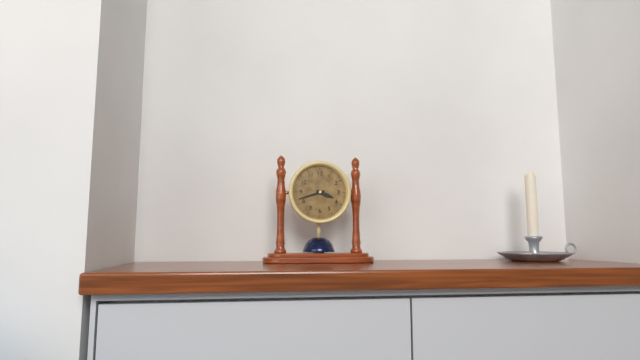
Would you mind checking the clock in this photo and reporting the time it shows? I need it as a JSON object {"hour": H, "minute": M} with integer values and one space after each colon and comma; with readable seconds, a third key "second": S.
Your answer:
{"hour": 3, "minute": 42}
